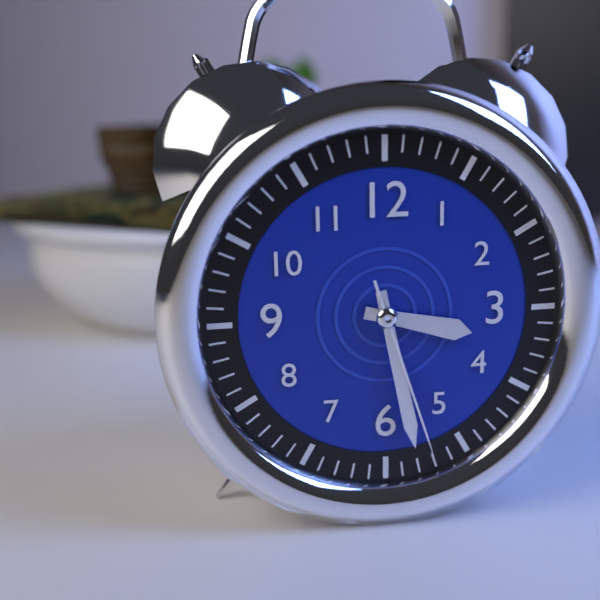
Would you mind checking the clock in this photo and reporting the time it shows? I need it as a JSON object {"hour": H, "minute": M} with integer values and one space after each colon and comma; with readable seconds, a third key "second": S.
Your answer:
{"hour": 3, "minute": 28, "second": 27}
